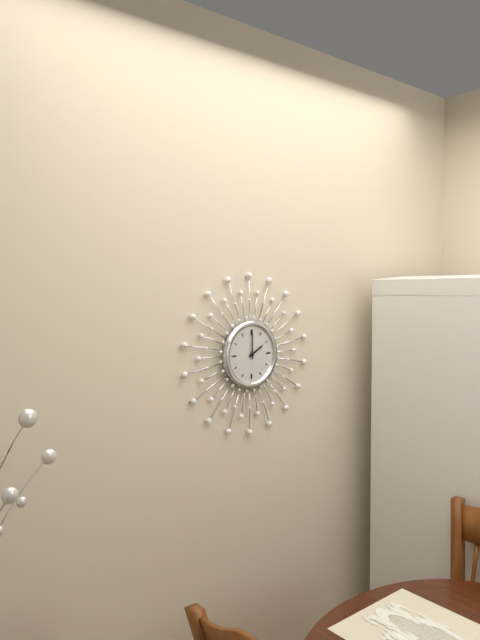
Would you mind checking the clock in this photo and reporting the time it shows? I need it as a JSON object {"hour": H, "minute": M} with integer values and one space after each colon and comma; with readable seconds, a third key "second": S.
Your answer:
{"hour": 2, "minute": 0}
